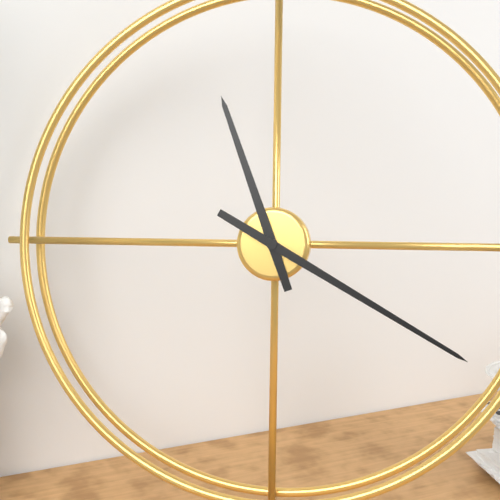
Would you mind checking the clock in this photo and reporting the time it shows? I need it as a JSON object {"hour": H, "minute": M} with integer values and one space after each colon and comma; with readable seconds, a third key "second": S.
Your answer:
{"hour": 11, "minute": 20}
